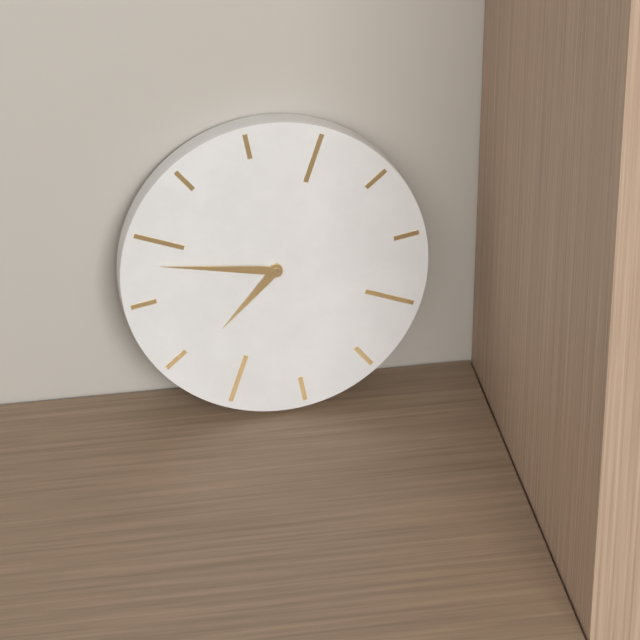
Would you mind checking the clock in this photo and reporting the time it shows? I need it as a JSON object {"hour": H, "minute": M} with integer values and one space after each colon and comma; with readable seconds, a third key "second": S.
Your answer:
{"hour": 7, "minute": 48}
